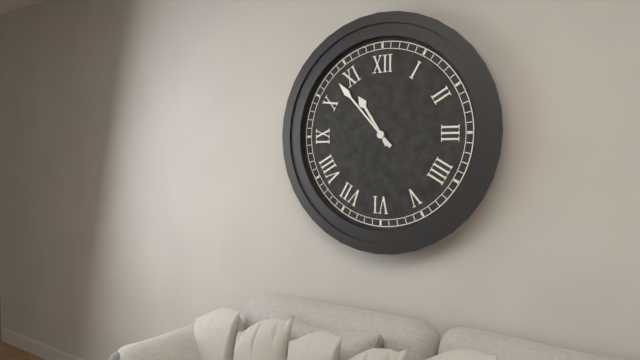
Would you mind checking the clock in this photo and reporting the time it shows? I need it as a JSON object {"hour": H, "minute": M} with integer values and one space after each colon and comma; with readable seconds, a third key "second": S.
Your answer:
{"hour": 10, "minute": 53}
